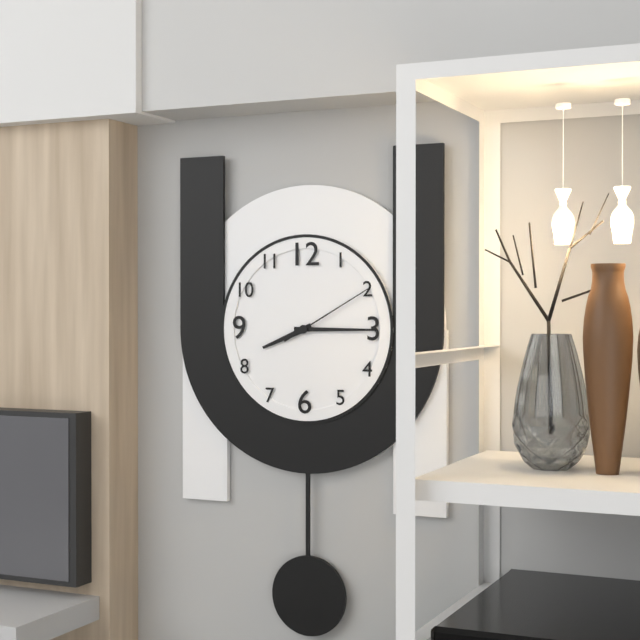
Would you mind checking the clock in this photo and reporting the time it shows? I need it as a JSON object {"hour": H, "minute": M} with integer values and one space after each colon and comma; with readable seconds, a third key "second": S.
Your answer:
{"hour": 8, "minute": 15, "second": 10}
